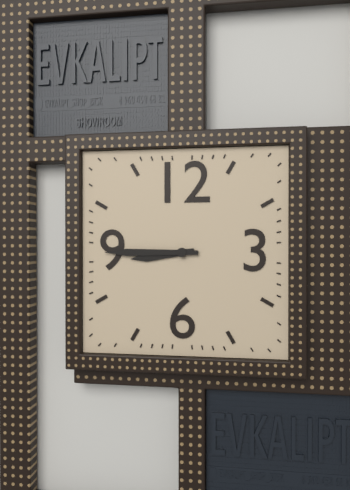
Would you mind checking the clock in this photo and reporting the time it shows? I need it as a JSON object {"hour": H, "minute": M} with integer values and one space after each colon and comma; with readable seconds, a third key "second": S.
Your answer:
{"hour": 8, "minute": 45}
